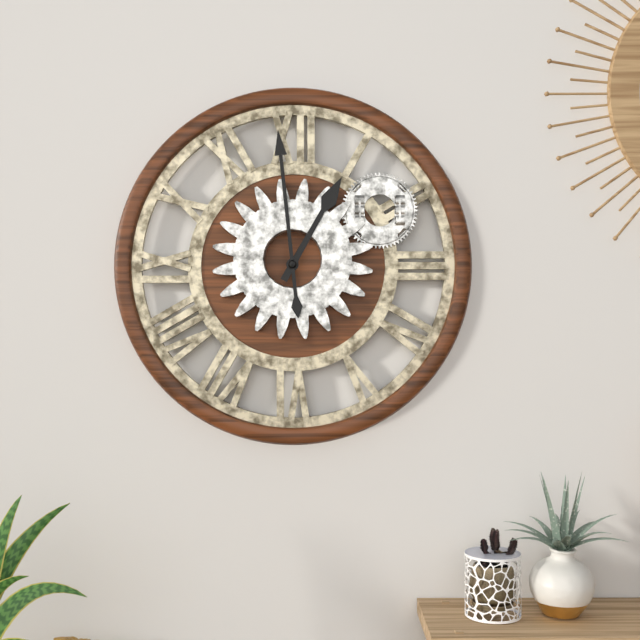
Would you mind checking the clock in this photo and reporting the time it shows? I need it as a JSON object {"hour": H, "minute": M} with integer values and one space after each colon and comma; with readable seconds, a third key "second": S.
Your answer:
{"hour": 12, "minute": 59}
